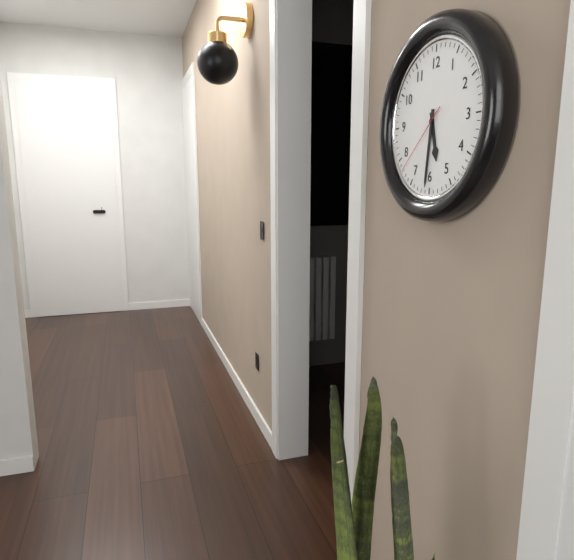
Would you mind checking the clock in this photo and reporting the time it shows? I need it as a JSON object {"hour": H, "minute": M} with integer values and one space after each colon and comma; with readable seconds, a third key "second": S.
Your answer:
{"hour": 5, "minute": 31, "second": 38}
